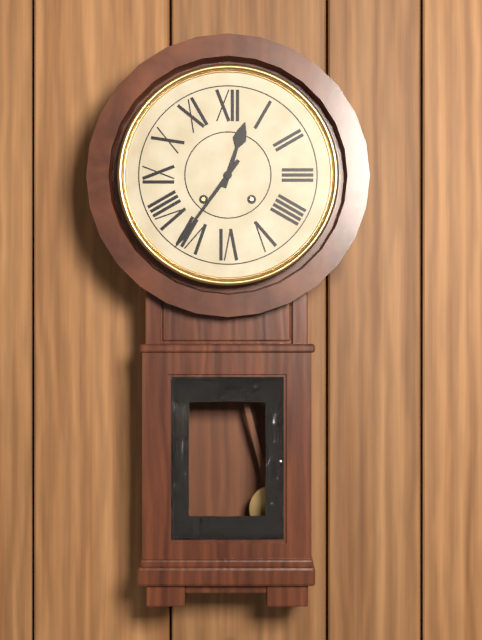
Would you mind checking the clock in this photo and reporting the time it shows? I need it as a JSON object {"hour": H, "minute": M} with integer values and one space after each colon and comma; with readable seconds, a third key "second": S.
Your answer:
{"hour": 12, "minute": 36}
